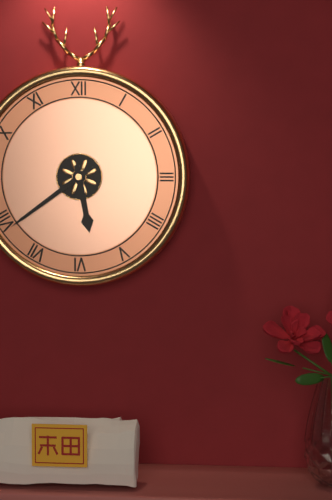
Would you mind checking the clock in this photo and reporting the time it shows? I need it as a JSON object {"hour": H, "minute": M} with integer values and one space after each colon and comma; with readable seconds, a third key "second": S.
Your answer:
{"hour": 5, "minute": 39}
